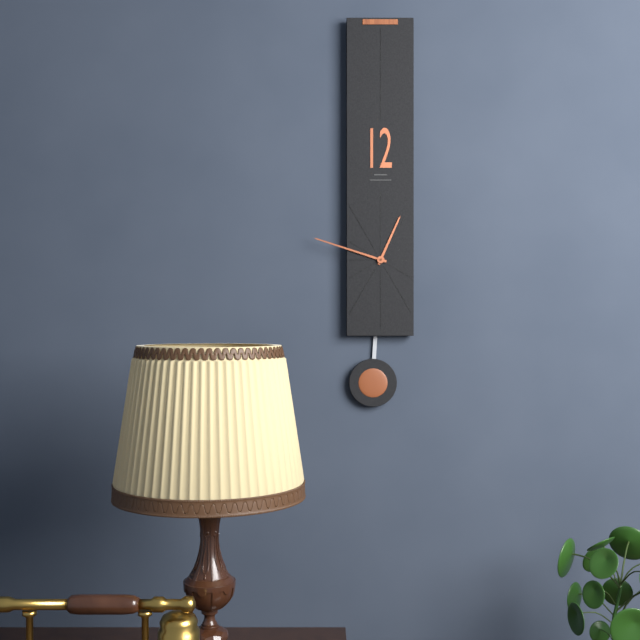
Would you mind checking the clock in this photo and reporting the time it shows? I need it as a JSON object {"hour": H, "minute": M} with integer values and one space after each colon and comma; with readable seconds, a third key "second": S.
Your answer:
{"hour": 12, "minute": 48}
